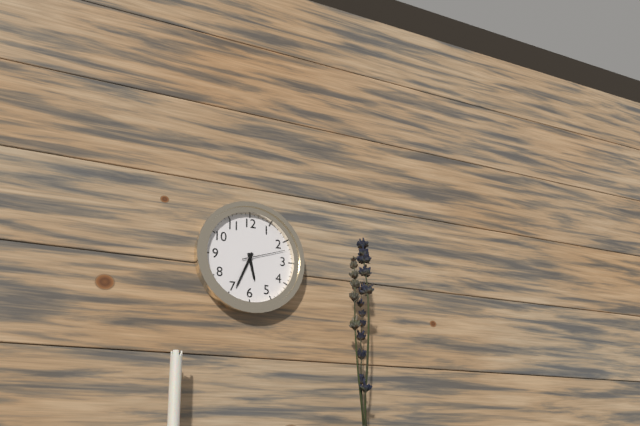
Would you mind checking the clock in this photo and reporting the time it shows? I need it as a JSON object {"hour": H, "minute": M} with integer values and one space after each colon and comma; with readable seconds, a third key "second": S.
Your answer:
{"hour": 5, "minute": 34}
